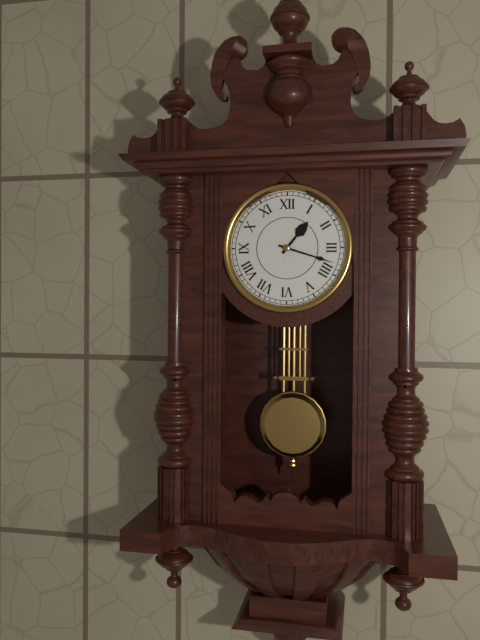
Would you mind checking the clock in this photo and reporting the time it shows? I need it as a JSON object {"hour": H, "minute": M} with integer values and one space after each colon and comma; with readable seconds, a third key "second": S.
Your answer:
{"hour": 1, "minute": 18}
